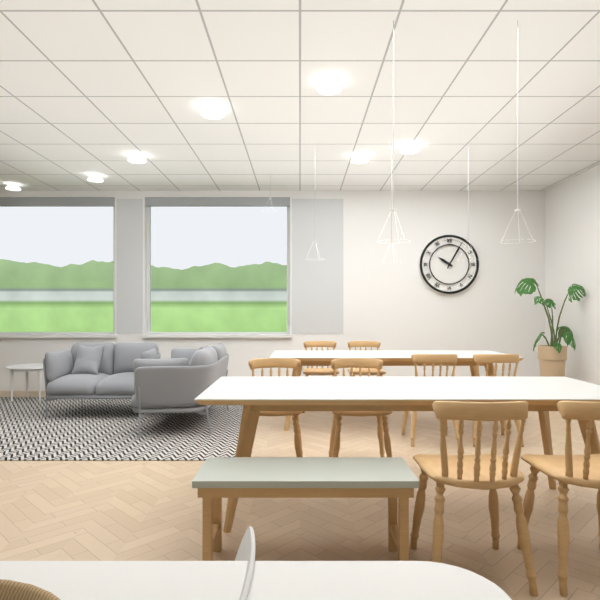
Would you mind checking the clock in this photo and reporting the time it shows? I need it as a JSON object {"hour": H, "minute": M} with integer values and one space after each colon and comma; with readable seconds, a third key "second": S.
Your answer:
{"hour": 10, "minute": 5}
